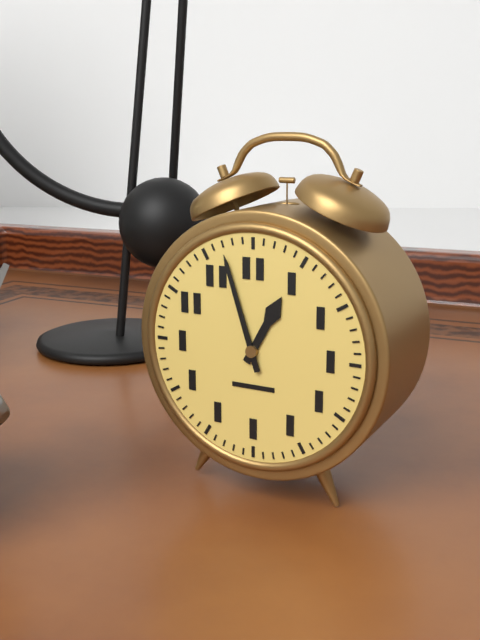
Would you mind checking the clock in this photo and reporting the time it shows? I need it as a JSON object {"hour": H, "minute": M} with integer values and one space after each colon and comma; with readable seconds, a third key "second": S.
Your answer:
{"hour": 12, "minute": 57}
